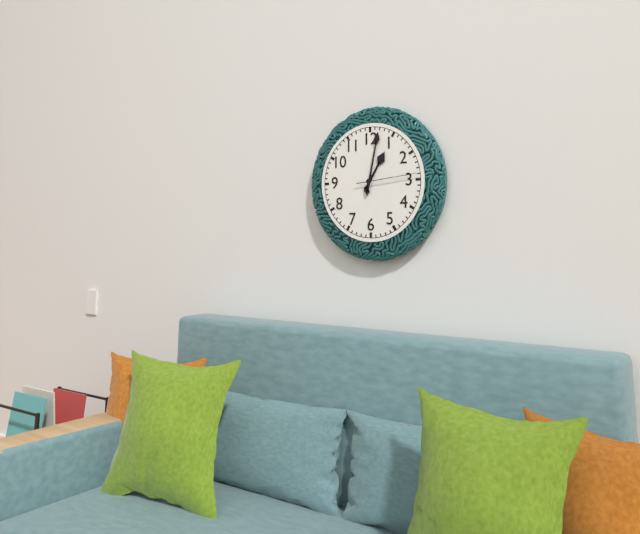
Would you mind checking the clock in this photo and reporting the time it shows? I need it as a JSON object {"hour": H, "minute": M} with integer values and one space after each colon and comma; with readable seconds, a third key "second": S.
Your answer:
{"hour": 1, "minute": 2, "second": 14}
